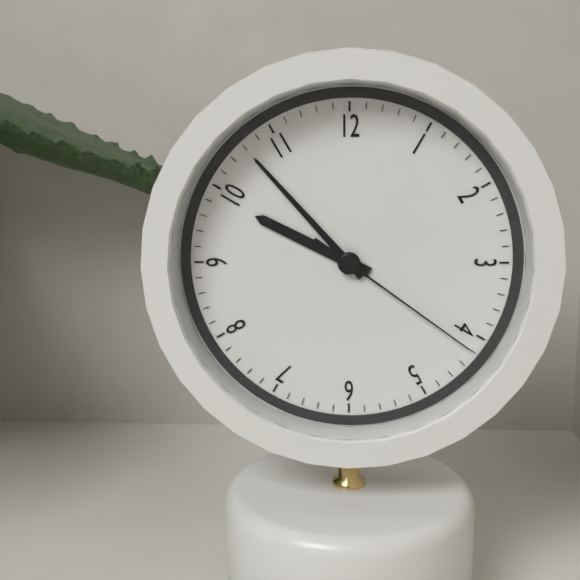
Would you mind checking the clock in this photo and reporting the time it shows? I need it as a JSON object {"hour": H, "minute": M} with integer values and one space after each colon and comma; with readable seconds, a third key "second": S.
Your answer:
{"hour": 9, "minute": 53, "second": 21}
